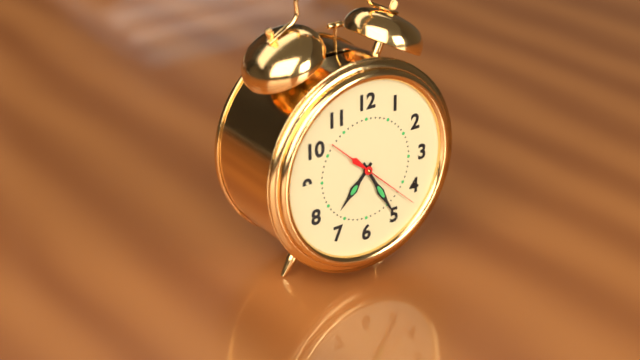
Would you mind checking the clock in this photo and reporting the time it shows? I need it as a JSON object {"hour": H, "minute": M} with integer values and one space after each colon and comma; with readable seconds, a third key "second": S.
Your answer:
{"hour": 7, "minute": 25, "second": 22}
